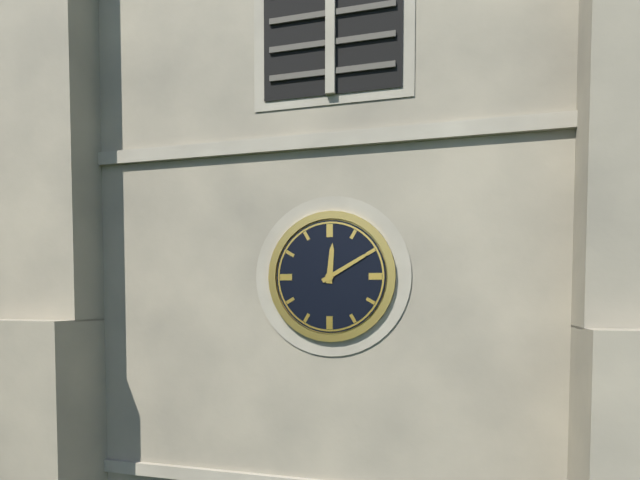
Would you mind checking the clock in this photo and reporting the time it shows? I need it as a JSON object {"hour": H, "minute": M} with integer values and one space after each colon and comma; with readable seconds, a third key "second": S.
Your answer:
{"hour": 12, "minute": 10}
